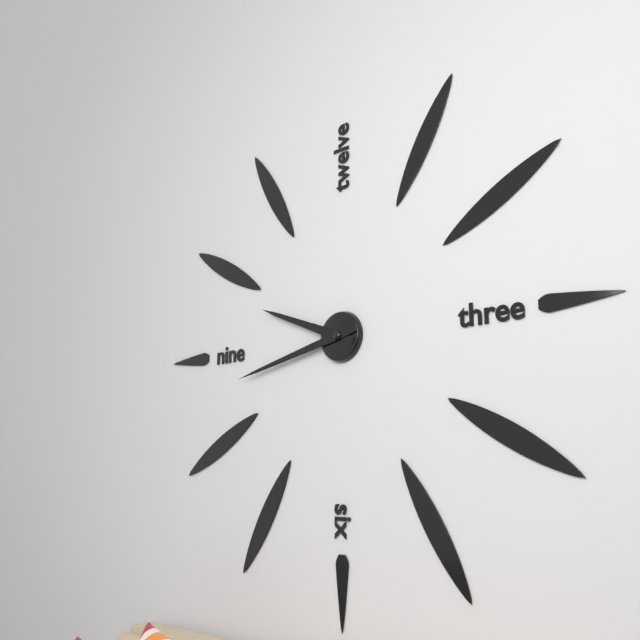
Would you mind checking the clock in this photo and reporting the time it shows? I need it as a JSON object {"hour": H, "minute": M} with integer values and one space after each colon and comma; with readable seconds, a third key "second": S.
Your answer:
{"hour": 9, "minute": 43}
